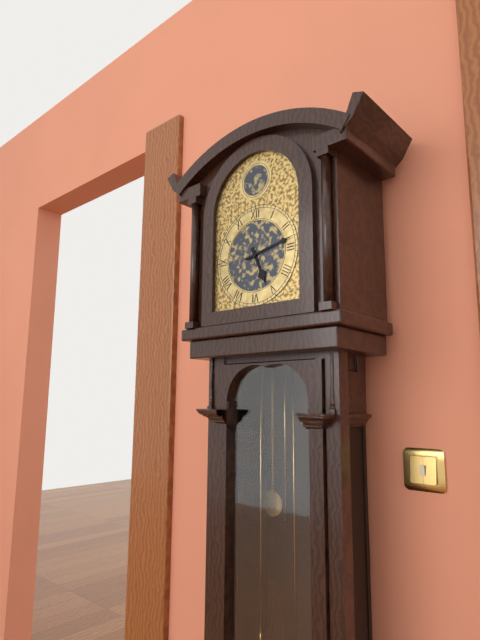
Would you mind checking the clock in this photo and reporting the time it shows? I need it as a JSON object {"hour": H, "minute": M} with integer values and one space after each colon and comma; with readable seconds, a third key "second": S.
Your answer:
{"hour": 5, "minute": 13}
